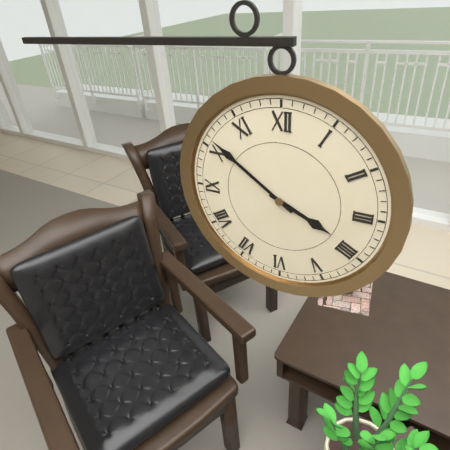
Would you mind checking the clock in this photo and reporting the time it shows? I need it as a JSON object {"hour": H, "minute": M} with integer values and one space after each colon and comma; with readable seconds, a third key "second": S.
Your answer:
{"hour": 3, "minute": 51}
